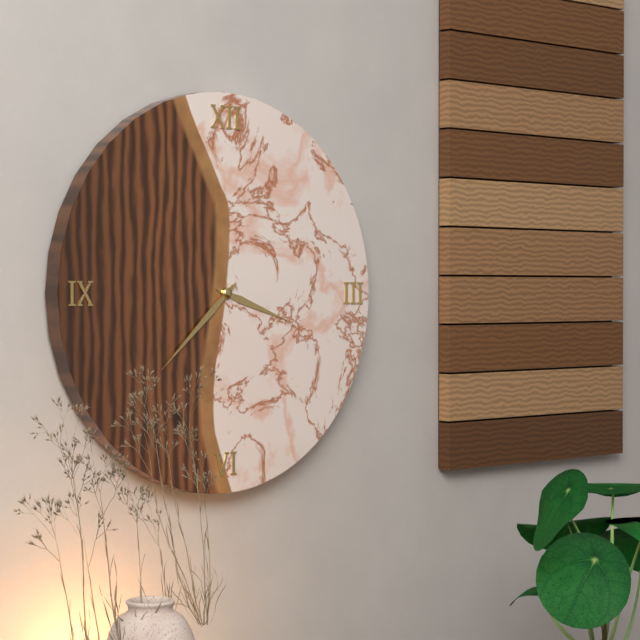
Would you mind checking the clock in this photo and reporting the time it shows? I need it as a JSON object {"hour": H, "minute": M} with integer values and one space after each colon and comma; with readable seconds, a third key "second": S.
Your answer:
{"hour": 3, "minute": 38}
